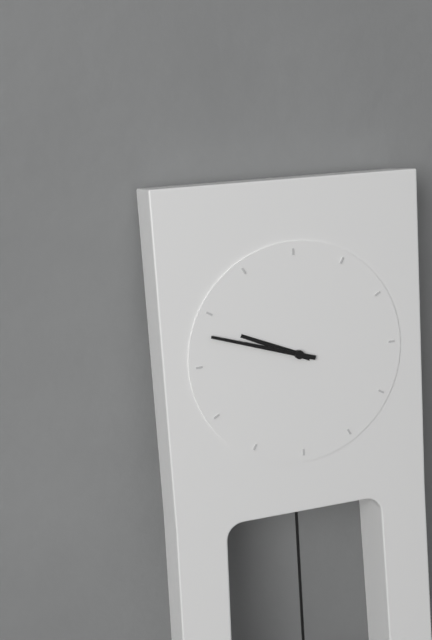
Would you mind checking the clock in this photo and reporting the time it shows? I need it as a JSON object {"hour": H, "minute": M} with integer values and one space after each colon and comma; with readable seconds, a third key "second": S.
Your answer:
{"hour": 9, "minute": 48}
